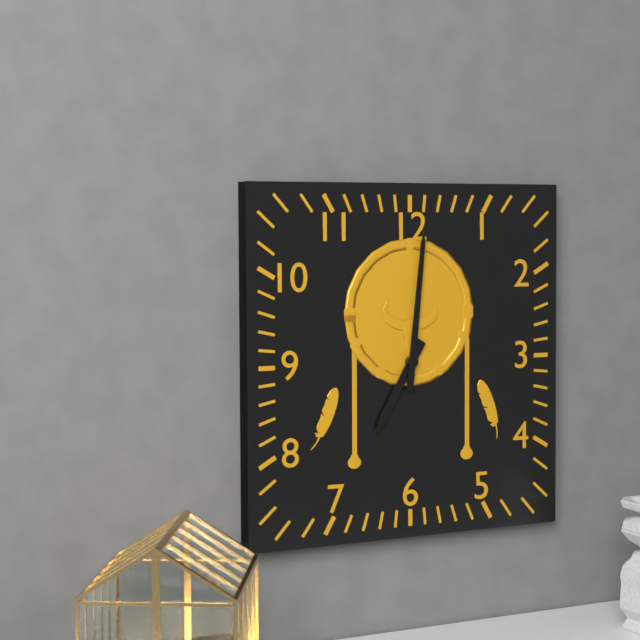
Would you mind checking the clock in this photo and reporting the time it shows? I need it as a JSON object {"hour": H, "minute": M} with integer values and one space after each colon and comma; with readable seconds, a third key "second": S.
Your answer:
{"hour": 7, "minute": 1}
